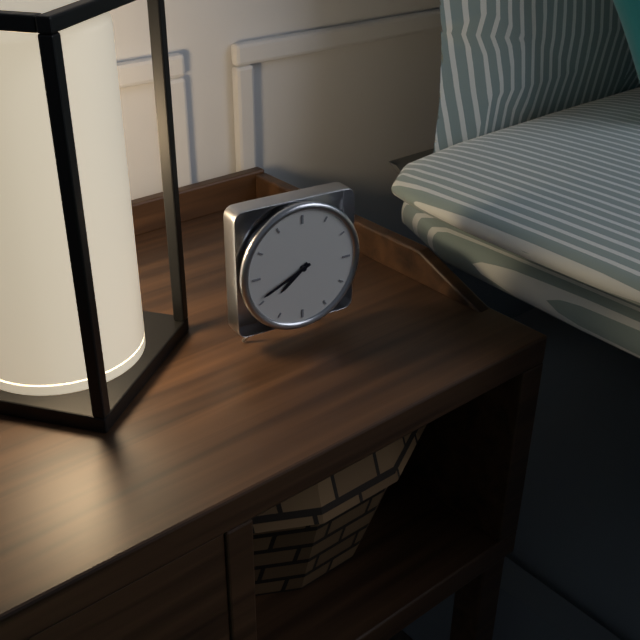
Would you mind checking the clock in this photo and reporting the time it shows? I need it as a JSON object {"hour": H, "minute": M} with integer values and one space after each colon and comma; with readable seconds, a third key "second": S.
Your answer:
{"hour": 7, "minute": 41}
